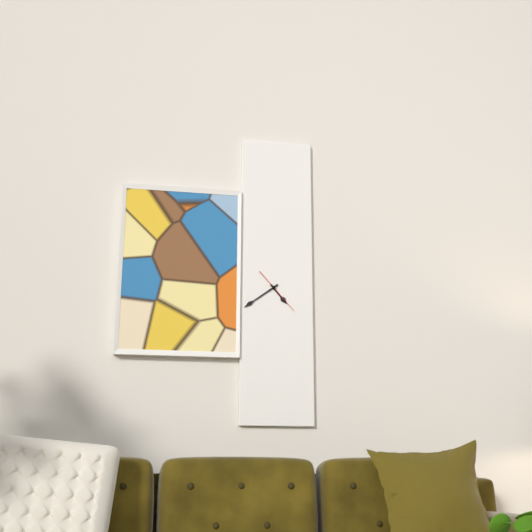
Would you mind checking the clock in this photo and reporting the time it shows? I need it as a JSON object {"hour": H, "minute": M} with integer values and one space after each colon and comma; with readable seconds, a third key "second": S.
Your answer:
{"hour": 4, "minute": 39}
